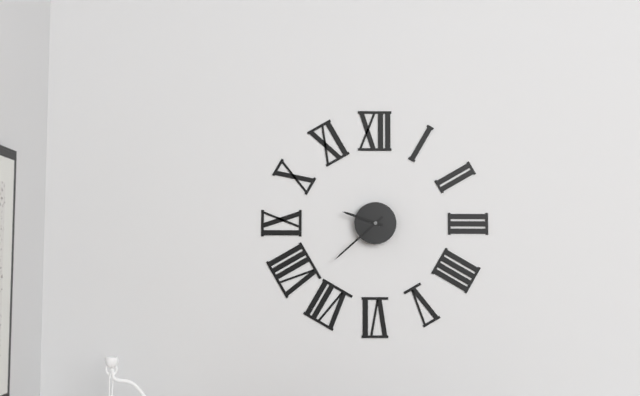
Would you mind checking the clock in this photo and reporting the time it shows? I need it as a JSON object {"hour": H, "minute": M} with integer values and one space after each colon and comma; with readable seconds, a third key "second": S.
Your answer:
{"hour": 9, "minute": 38}
